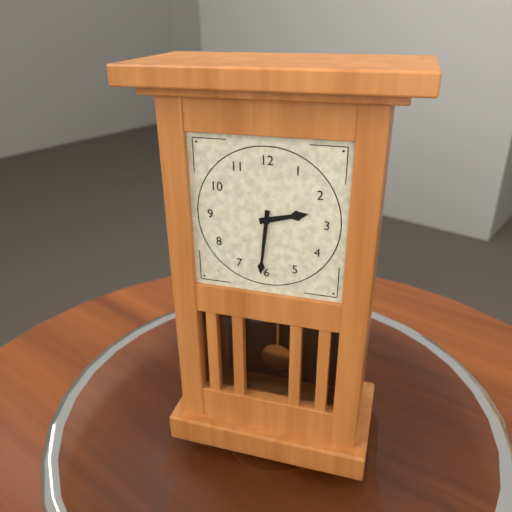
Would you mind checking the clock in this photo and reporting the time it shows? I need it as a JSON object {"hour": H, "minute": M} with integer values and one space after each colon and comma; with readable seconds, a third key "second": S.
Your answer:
{"hour": 2, "minute": 31}
